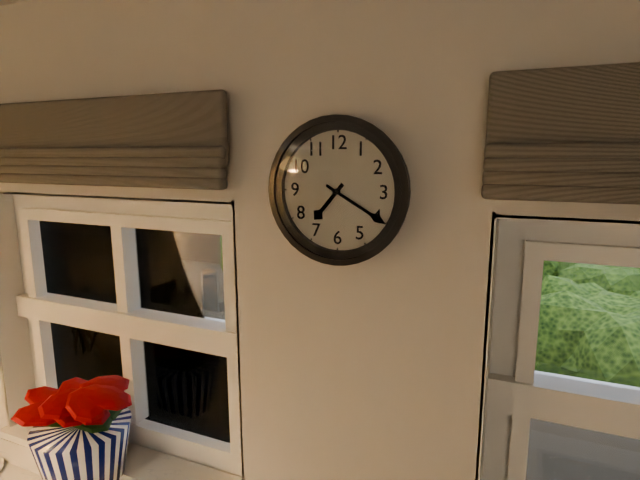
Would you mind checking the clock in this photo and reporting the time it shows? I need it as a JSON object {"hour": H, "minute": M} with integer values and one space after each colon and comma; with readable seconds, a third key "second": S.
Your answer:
{"hour": 7, "minute": 20}
